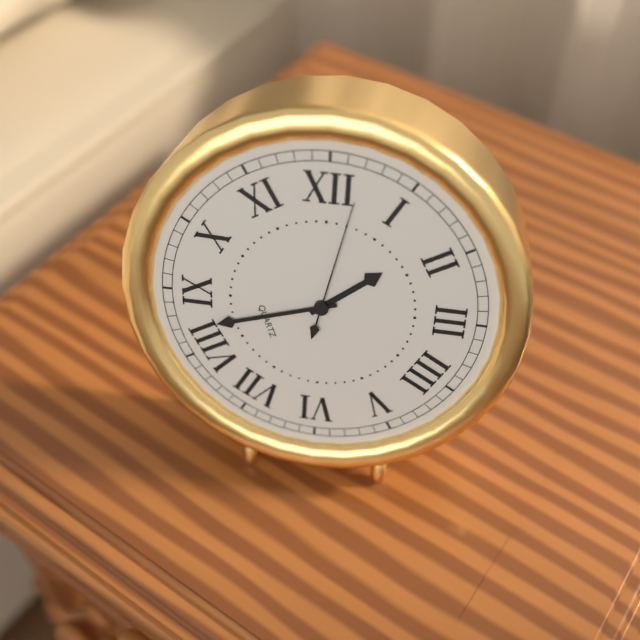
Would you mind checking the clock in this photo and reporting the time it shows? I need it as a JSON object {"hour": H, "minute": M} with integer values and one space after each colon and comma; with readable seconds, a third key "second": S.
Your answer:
{"hour": 1, "minute": 42, "second": 2}
